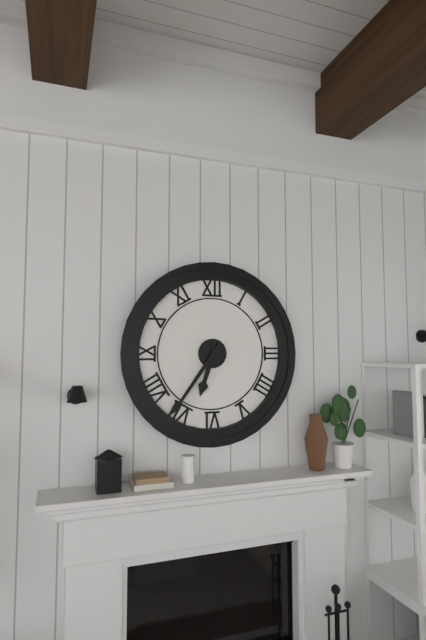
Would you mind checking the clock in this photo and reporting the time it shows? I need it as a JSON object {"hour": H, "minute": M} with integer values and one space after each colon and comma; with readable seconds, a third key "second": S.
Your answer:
{"hour": 6, "minute": 36}
